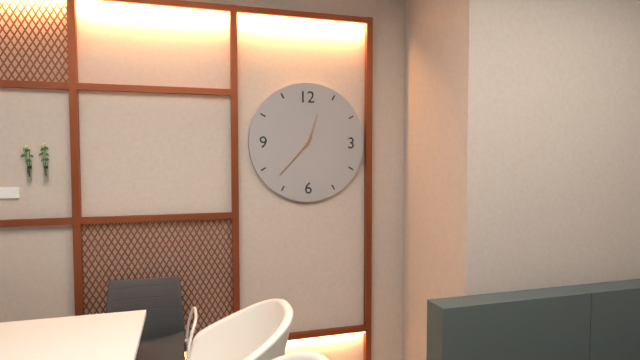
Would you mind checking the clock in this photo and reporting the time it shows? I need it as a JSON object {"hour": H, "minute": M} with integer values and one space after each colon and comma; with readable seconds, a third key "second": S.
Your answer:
{"hour": 12, "minute": 37}
